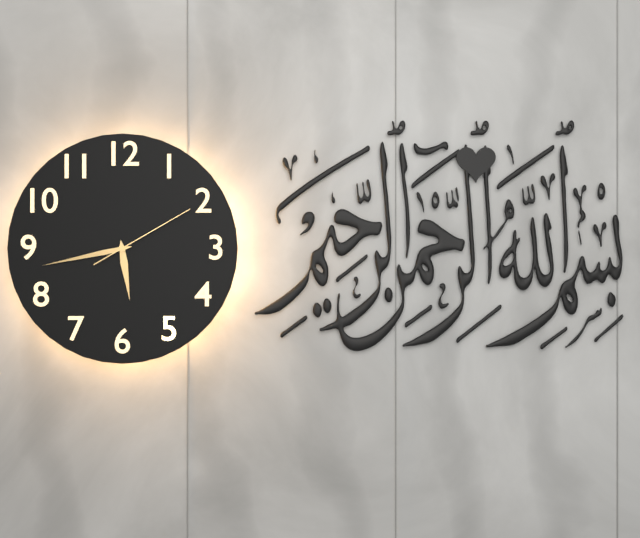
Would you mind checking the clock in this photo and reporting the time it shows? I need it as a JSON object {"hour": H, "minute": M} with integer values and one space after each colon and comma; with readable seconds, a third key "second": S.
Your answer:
{"hour": 5, "minute": 43, "second": 10}
